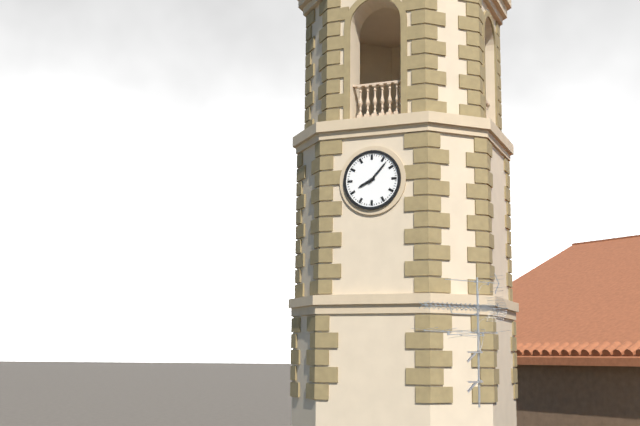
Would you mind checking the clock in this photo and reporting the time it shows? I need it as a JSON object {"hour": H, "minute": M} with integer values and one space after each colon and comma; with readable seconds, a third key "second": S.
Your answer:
{"hour": 8, "minute": 7}
